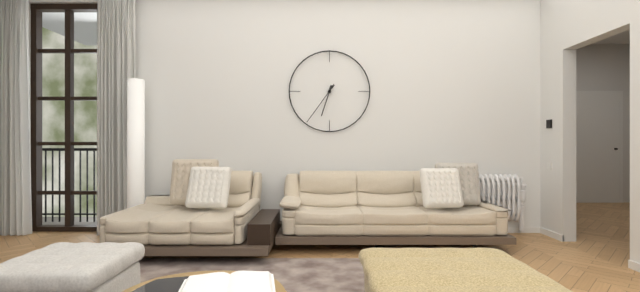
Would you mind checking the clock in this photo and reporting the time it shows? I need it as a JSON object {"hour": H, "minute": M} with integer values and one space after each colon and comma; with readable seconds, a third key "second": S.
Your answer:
{"hour": 6, "minute": 36}
